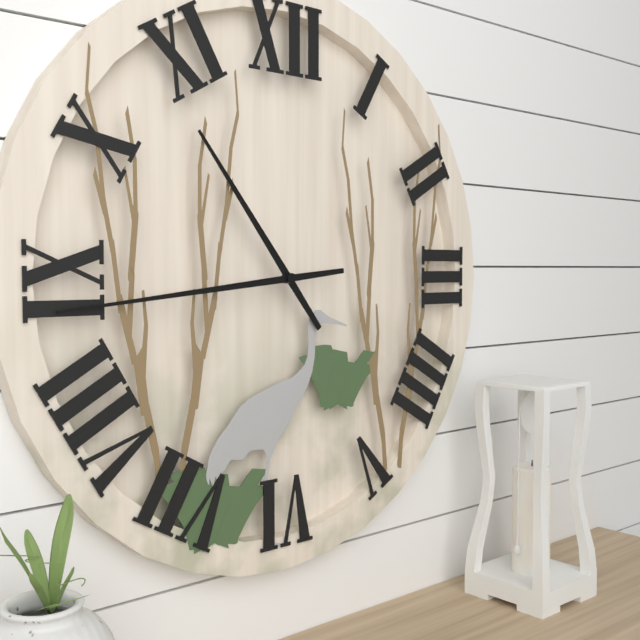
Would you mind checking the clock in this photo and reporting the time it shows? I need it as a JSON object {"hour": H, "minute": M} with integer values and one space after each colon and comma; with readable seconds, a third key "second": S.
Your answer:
{"hour": 10, "minute": 44}
